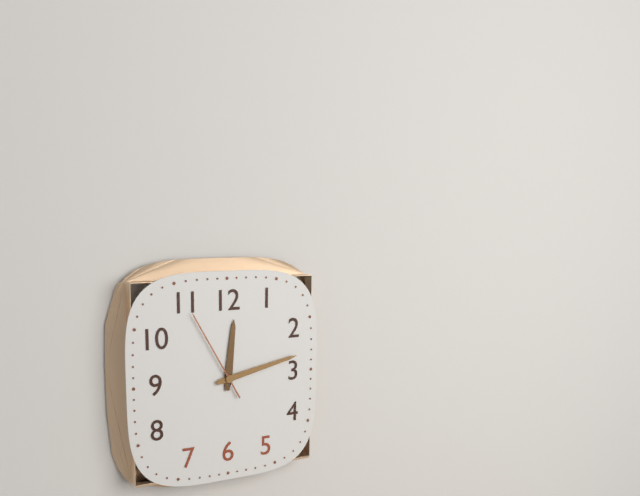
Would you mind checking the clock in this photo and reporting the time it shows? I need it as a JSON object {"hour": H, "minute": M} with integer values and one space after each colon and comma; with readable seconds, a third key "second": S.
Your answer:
{"hour": 12, "minute": 13, "second": 55}
